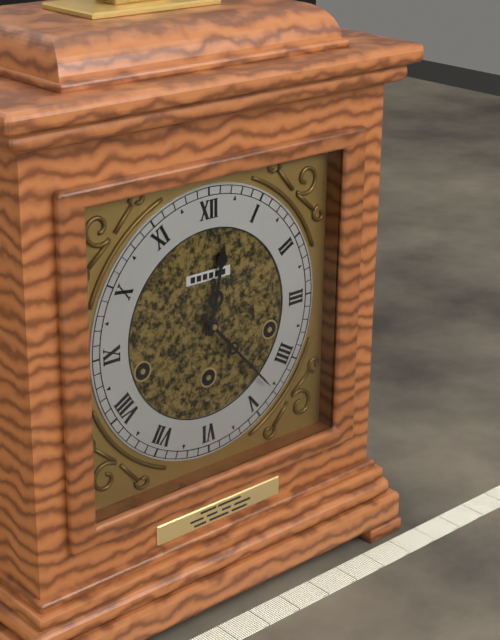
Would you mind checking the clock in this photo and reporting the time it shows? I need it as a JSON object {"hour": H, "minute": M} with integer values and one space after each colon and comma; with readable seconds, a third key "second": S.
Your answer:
{"hour": 12, "minute": 23}
